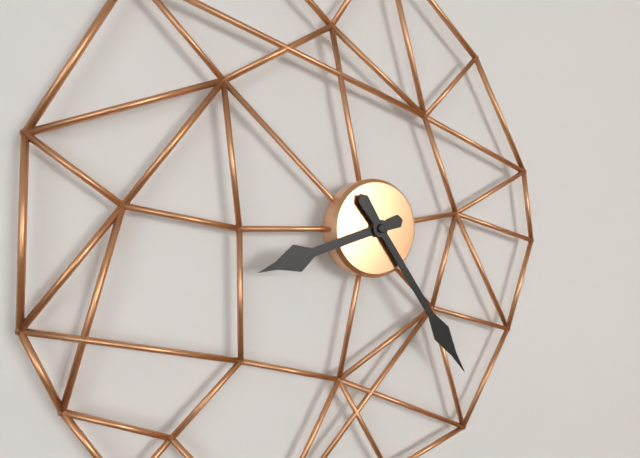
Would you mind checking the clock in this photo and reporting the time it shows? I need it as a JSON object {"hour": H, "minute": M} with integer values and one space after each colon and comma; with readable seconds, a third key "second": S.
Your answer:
{"hour": 8, "minute": 24}
